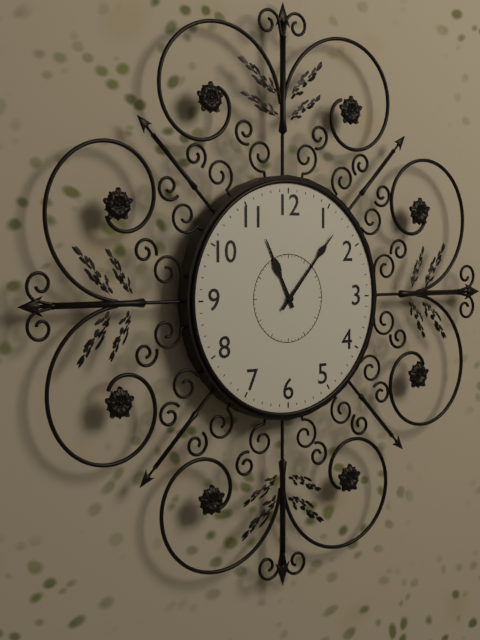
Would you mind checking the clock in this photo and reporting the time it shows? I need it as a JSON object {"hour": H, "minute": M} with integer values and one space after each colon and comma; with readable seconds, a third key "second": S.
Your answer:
{"hour": 11, "minute": 7}
